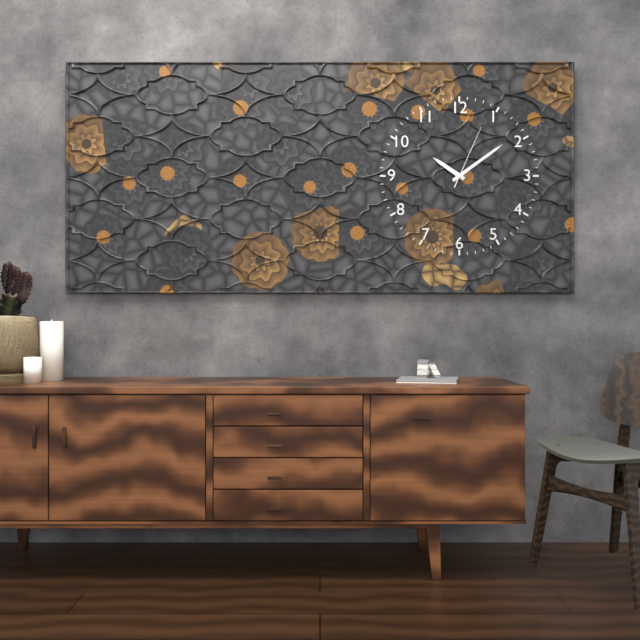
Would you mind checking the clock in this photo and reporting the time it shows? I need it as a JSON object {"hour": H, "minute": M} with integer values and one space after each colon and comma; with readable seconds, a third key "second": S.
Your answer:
{"hour": 10, "minute": 9, "second": 4}
